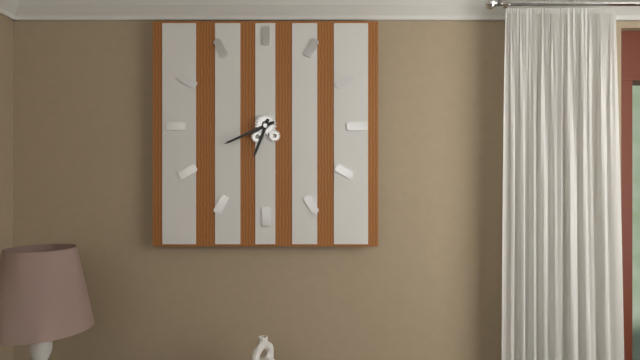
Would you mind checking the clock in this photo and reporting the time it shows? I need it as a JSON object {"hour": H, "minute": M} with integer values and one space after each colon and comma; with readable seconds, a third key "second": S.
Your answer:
{"hour": 6, "minute": 41}
